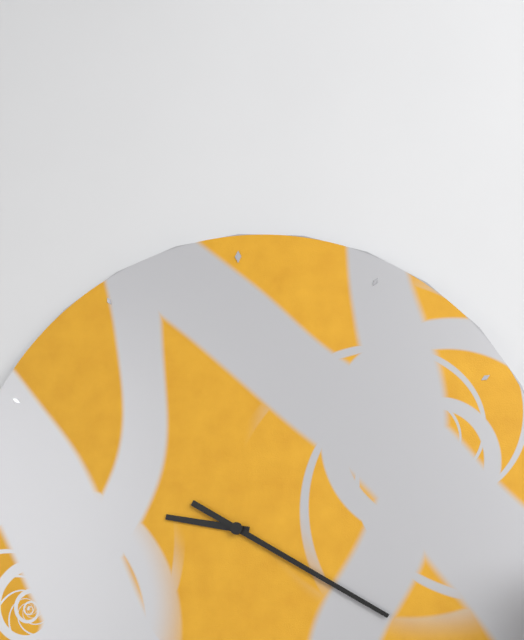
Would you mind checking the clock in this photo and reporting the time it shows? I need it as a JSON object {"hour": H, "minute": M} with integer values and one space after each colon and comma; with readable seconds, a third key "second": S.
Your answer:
{"hour": 9, "minute": 20}
